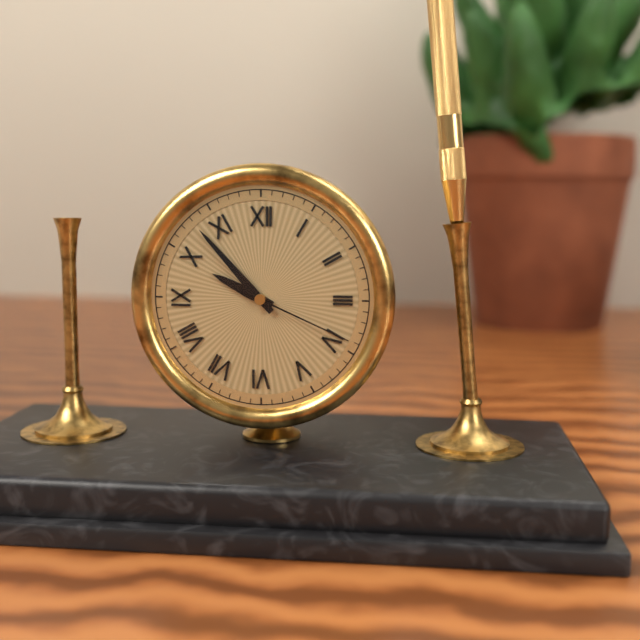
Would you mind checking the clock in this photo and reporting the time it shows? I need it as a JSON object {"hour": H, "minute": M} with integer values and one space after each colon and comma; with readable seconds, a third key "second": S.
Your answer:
{"hour": 9, "minute": 53, "second": 19}
